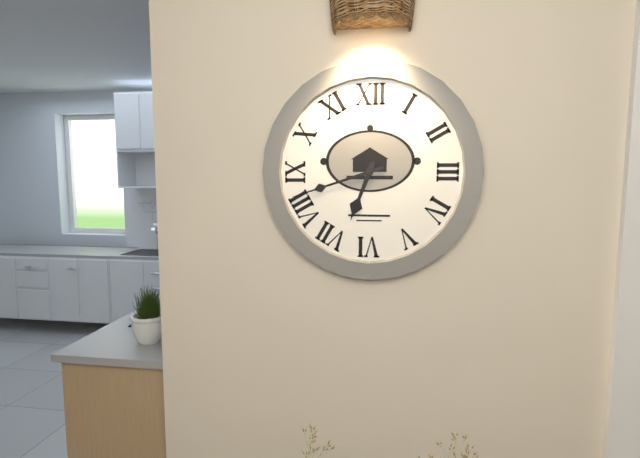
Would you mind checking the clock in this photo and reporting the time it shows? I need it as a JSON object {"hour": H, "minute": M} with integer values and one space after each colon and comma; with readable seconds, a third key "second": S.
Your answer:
{"hour": 6, "minute": 42}
